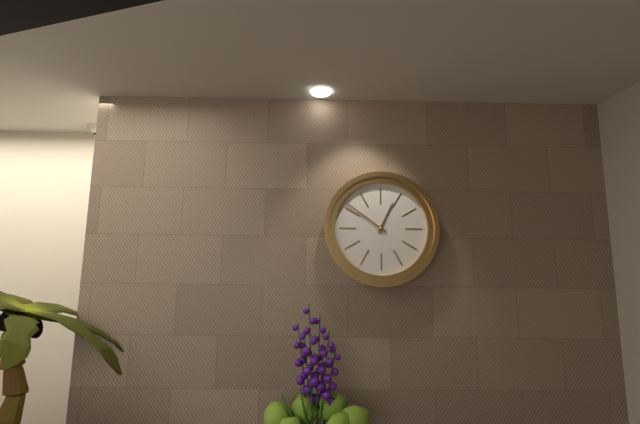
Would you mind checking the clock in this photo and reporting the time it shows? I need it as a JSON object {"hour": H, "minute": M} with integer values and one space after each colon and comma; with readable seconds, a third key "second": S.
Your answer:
{"hour": 12, "minute": 51}
